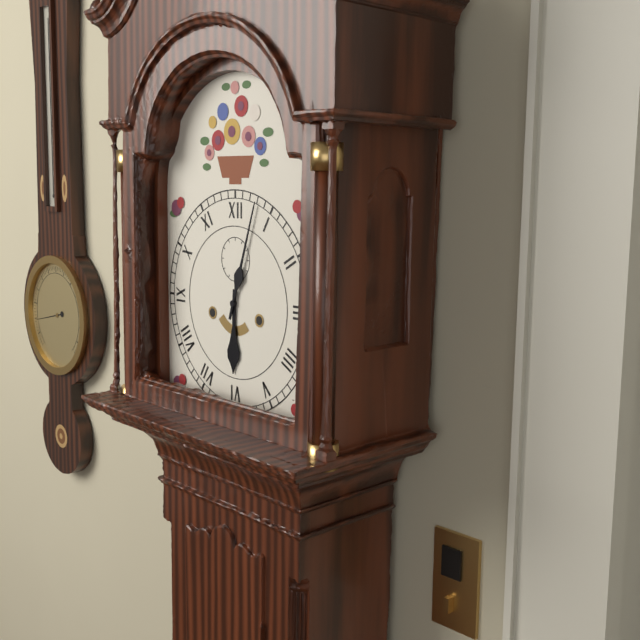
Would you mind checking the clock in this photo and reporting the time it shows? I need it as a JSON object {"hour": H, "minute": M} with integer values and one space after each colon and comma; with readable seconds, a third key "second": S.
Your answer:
{"hour": 6, "minute": 3}
